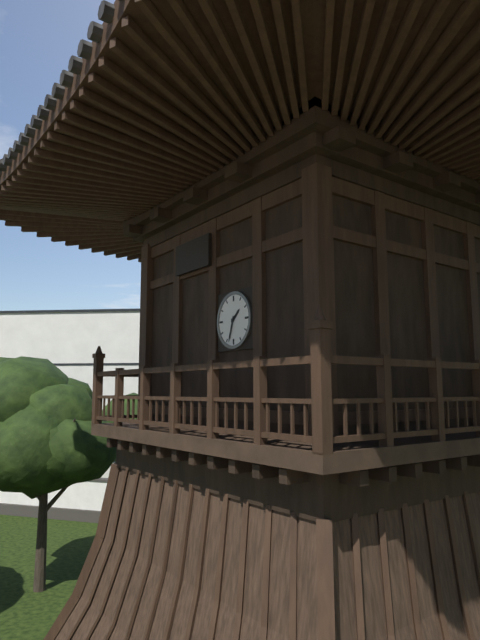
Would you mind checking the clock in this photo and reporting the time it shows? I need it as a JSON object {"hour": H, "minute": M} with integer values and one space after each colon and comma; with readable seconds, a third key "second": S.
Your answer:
{"hour": 1, "minute": 33}
